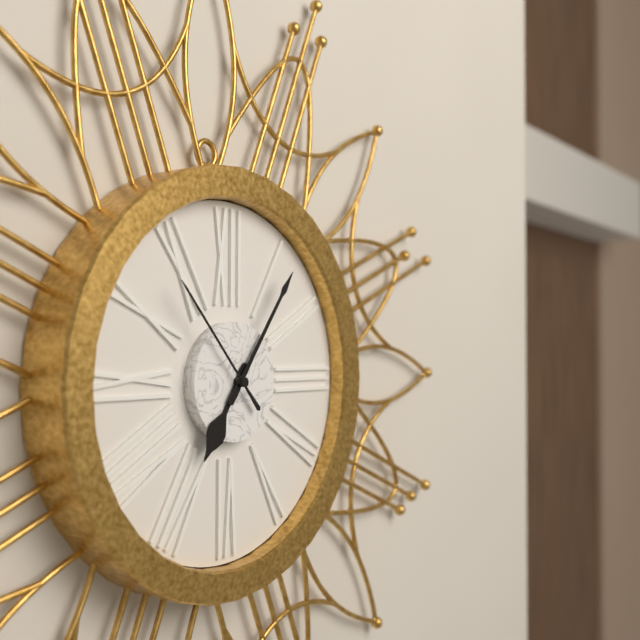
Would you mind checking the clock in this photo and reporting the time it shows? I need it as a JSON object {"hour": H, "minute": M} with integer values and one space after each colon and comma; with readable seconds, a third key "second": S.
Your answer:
{"hour": 7, "minute": 6, "second": 53}
